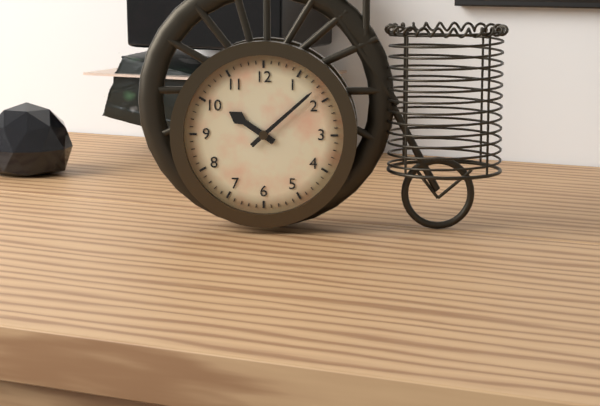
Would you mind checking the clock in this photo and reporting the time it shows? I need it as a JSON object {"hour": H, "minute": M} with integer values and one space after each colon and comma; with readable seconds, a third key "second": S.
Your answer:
{"hour": 10, "minute": 8}
